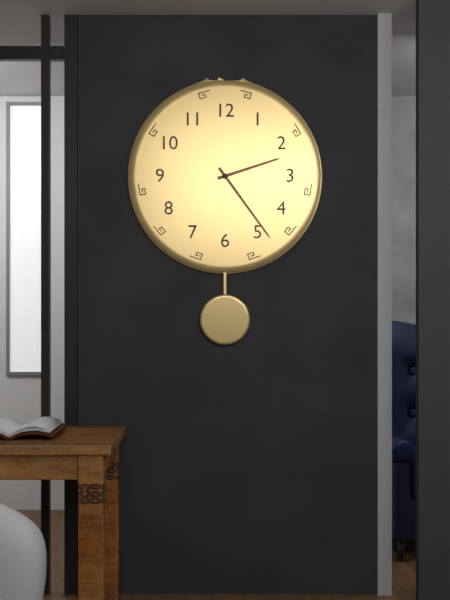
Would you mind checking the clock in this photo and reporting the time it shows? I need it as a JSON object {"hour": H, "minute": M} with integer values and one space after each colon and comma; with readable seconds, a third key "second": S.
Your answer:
{"hour": 2, "minute": 24}
